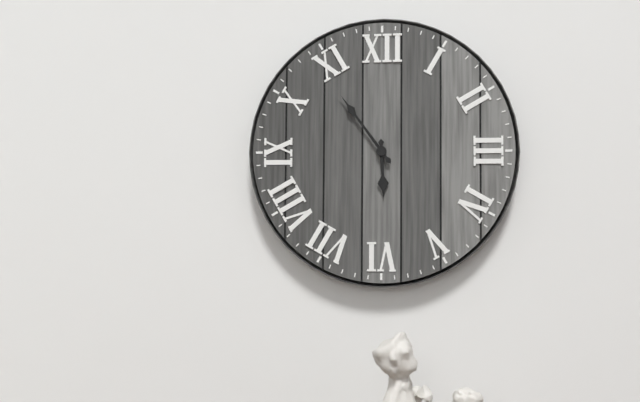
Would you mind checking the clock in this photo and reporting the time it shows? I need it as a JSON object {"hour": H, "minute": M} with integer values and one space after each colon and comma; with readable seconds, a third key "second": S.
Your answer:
{"hour": 5, "minute": 54}
